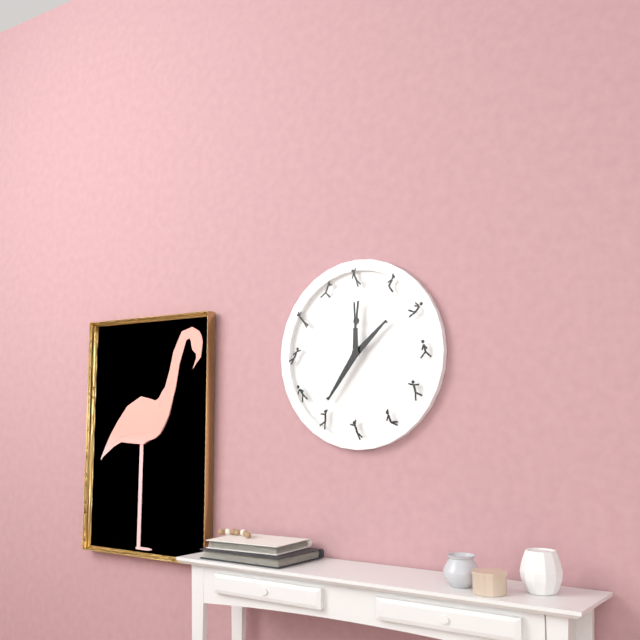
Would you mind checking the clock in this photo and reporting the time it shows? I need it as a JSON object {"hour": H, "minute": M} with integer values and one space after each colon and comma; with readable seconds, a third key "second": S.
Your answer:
{"hour": 1, "minute": 36}
